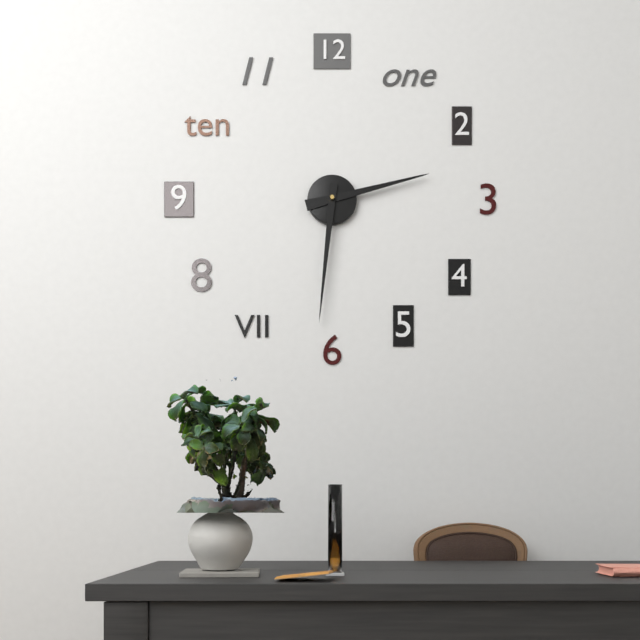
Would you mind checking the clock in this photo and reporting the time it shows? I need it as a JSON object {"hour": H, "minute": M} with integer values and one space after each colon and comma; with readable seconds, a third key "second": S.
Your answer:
{"hour": 2, "minute": 31}
